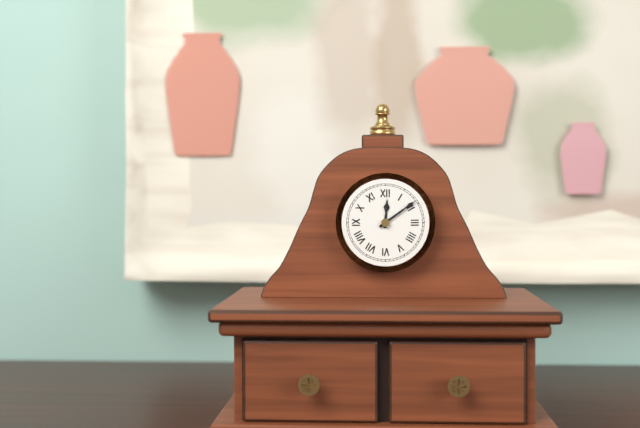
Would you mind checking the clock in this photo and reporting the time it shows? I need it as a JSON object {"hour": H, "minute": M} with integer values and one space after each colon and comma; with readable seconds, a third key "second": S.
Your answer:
{"hour": 12, "minute": 9}
